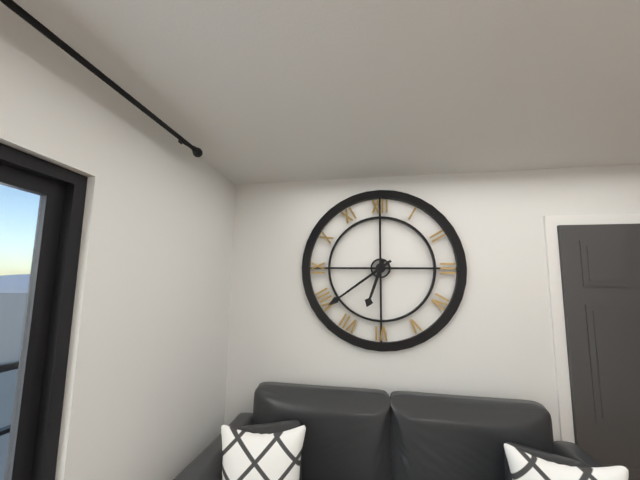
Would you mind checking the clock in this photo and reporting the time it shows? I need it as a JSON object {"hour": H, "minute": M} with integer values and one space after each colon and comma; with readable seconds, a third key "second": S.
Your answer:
{"hour": 6, "minute": 39}
